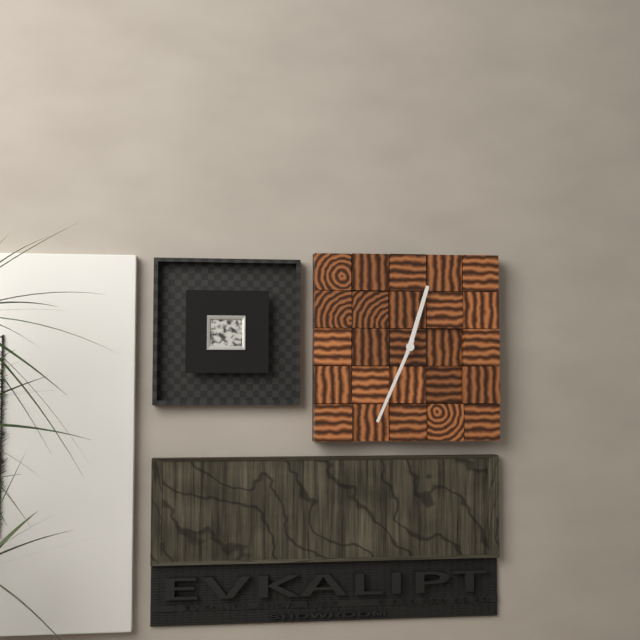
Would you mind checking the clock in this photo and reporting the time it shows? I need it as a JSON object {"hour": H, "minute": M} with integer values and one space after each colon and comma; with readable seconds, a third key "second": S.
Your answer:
{"hour": 12, "minute": 34}
